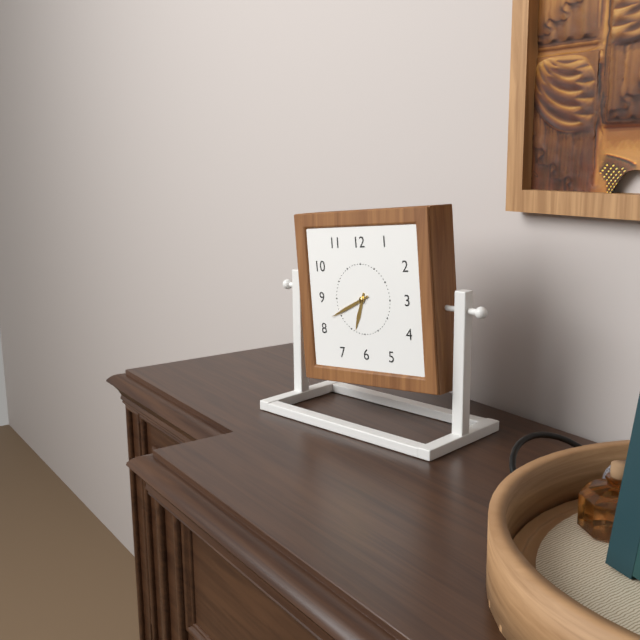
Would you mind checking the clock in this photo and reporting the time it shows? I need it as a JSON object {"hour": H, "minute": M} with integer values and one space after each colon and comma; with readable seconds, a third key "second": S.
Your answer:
{"hour": 6, "minute": 41}
